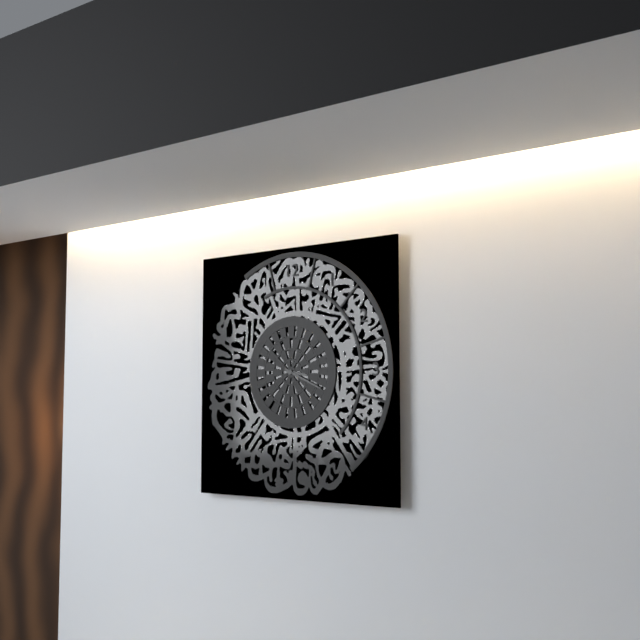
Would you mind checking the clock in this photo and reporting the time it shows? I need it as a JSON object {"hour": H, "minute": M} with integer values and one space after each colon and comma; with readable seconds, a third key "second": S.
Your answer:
{"hour": 3, "minute": 19}
